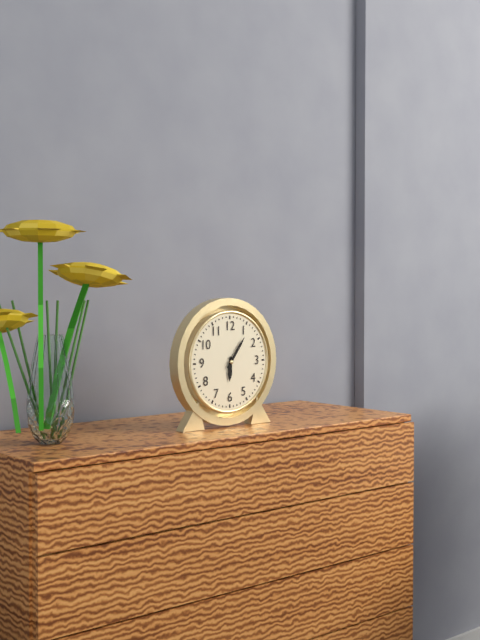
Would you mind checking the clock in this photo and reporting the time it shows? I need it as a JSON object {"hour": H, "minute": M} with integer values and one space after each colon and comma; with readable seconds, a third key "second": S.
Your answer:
{"hour": 6, "minute": 6}
